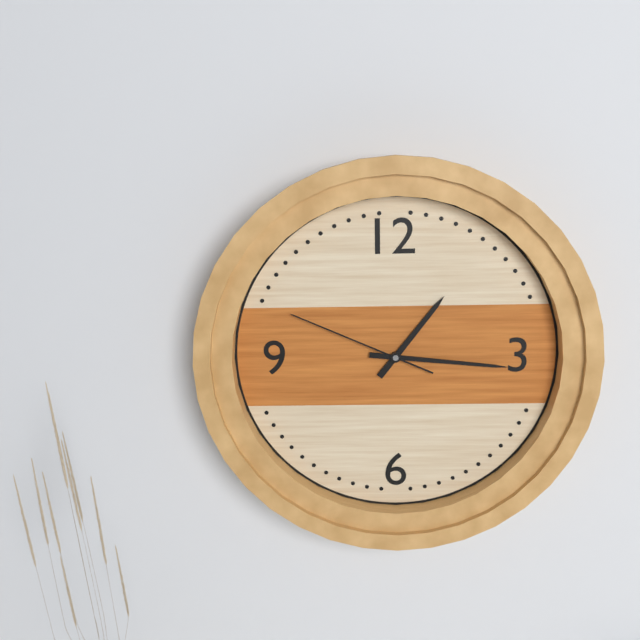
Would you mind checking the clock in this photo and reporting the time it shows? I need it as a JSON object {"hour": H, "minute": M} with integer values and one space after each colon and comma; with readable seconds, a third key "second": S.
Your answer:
{"hour": 1, "minute": 16, "second": 49}
